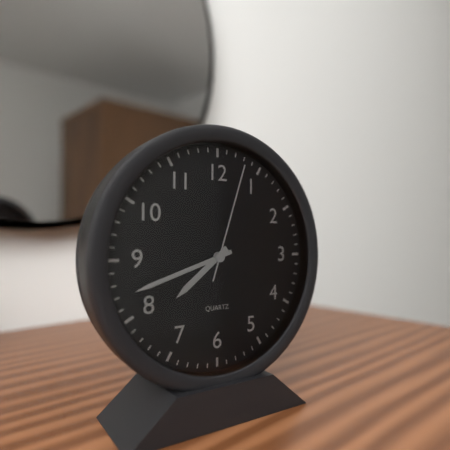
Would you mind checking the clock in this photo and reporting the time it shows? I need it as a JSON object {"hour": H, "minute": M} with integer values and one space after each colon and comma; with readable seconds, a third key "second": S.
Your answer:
{"hour": 7, "minute": 42, "second": 3}
